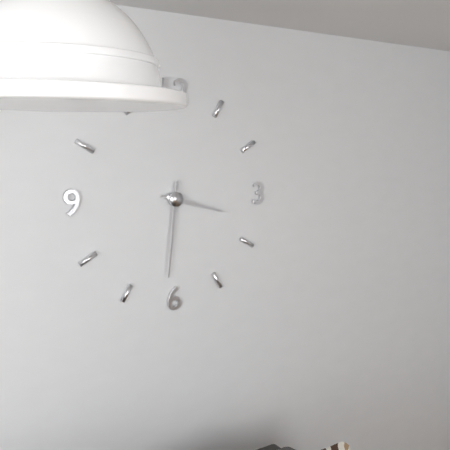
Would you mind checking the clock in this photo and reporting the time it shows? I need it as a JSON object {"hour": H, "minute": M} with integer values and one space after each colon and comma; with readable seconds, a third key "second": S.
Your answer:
{"hour": 3, "minute": 31}
